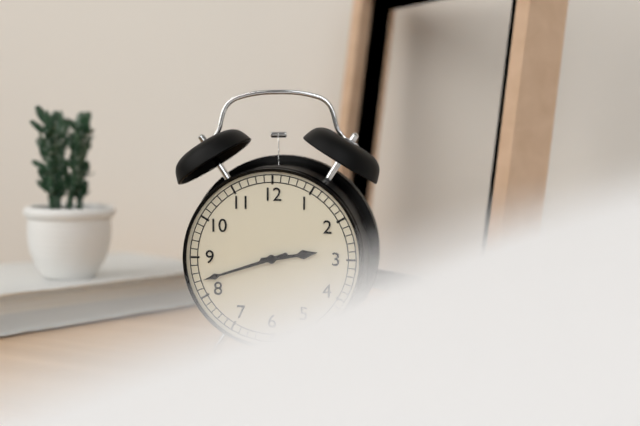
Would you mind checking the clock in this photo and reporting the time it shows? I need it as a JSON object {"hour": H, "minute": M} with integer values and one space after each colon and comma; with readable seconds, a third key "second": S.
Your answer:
{"hour": 2, "minute": 42}
